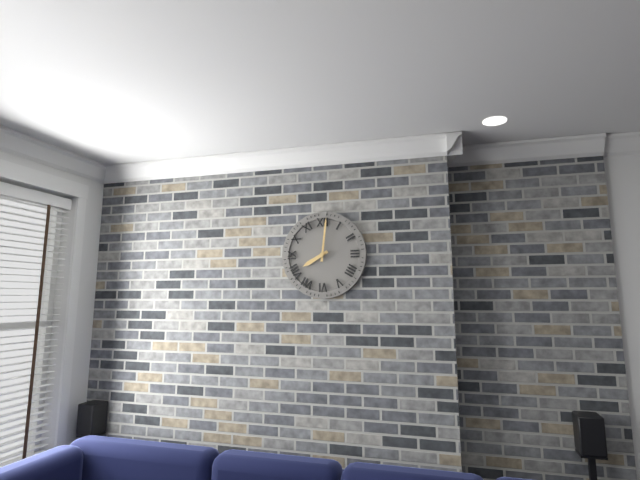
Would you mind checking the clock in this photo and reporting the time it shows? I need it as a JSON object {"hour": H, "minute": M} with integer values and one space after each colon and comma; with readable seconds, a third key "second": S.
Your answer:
{"hour": 8, "minute": 1}
